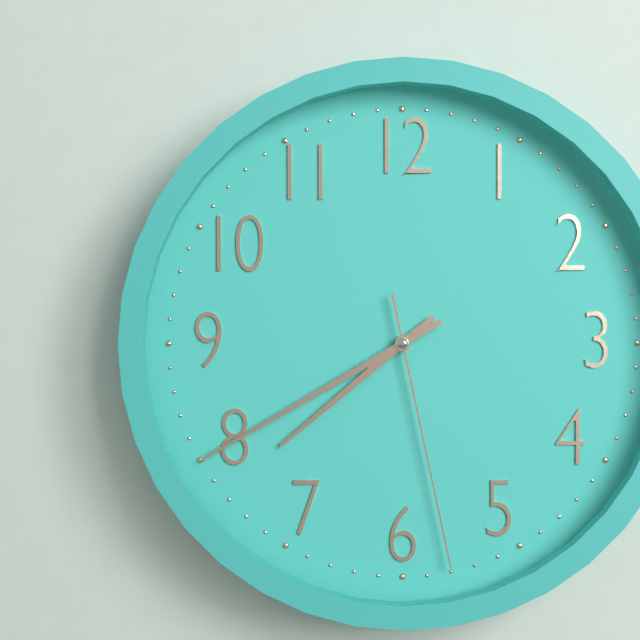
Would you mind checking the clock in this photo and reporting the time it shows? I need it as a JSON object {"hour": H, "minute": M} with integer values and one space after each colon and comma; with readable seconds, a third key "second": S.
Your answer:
{"hour": 7, "minute": 40, "second": 28}
